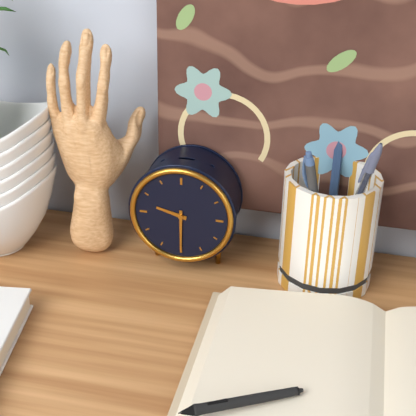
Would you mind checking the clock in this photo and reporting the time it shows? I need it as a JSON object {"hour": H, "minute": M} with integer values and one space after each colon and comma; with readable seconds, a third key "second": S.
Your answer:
{"hour": 9, "minute": 30}
